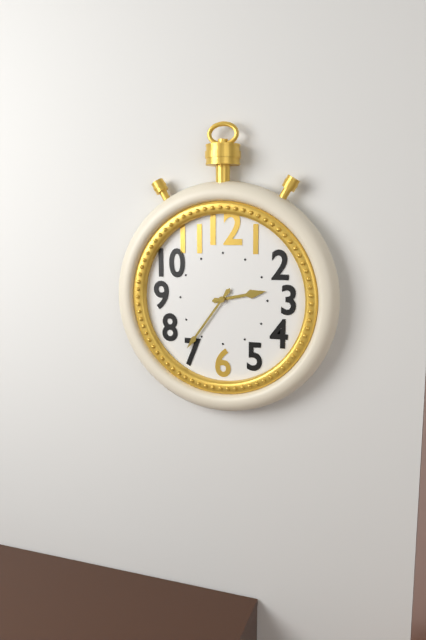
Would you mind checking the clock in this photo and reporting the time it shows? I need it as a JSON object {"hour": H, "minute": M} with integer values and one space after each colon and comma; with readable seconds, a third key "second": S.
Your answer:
{"hour": 2, "minute": 36}
